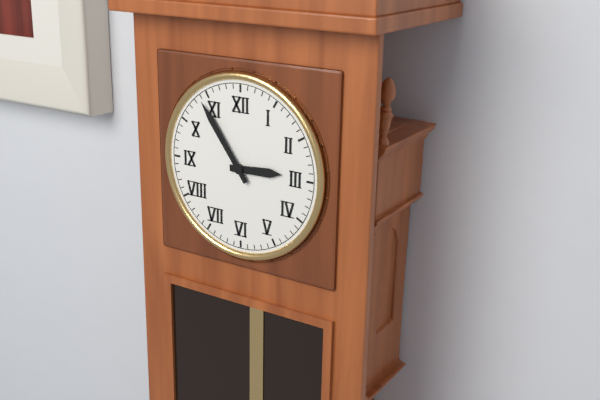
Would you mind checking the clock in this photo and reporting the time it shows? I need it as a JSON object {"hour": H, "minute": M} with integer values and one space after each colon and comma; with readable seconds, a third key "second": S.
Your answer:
{"hour": 2, "minute": 54}
